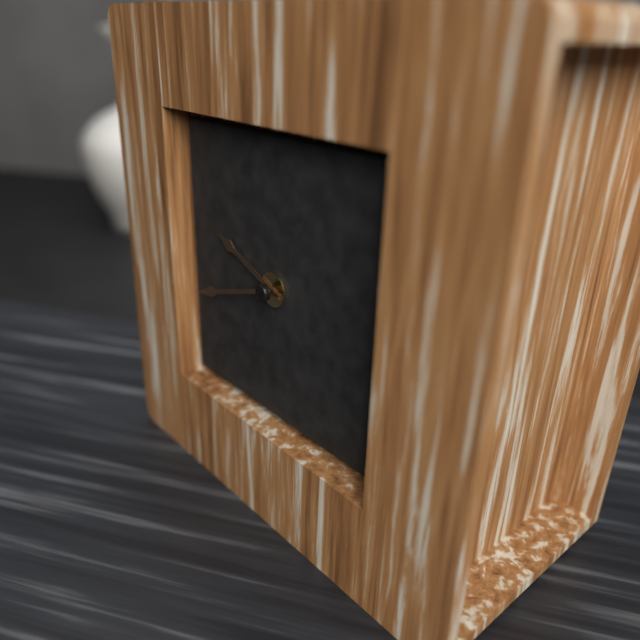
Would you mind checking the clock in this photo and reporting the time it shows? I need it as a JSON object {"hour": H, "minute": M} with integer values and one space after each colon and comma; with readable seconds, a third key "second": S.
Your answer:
{"hour": 9, "minute": 42}
